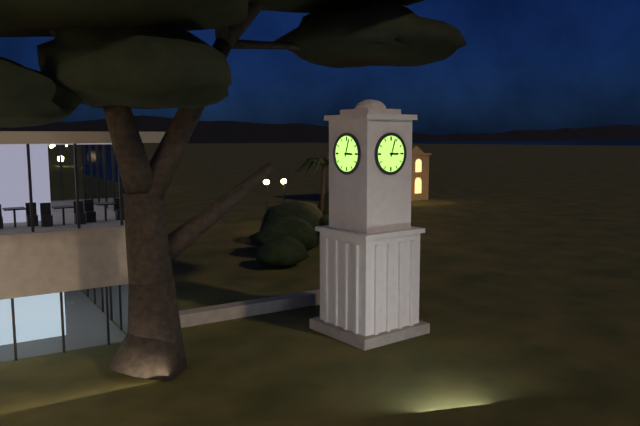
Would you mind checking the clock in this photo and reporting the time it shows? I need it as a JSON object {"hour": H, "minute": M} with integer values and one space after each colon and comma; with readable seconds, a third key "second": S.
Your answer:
{"hour": 3, "minute": 3}
